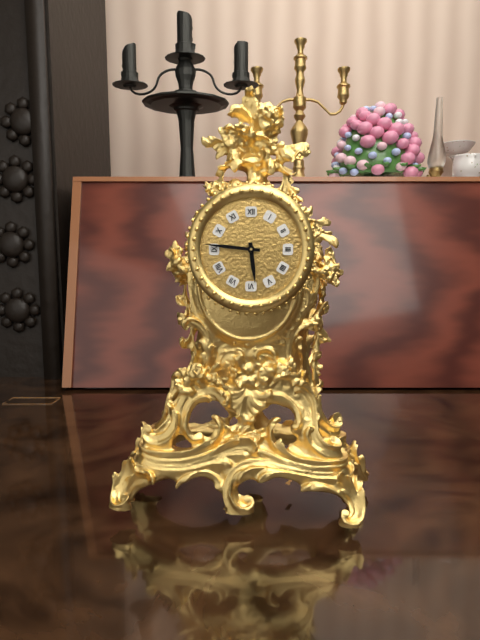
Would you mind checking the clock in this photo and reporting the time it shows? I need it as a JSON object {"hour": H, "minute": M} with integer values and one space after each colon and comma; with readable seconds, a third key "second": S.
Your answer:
{"hour": 5, "minute": 46}
